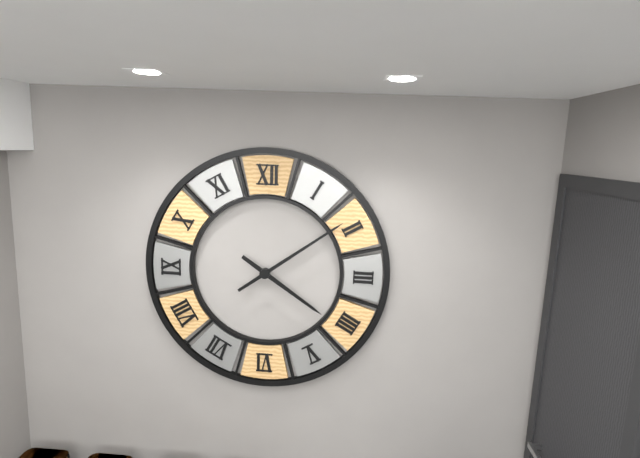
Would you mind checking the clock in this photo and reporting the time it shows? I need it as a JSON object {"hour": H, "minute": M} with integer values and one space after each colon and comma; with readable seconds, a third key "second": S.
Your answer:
{"hour": 4, "minute": 9}
